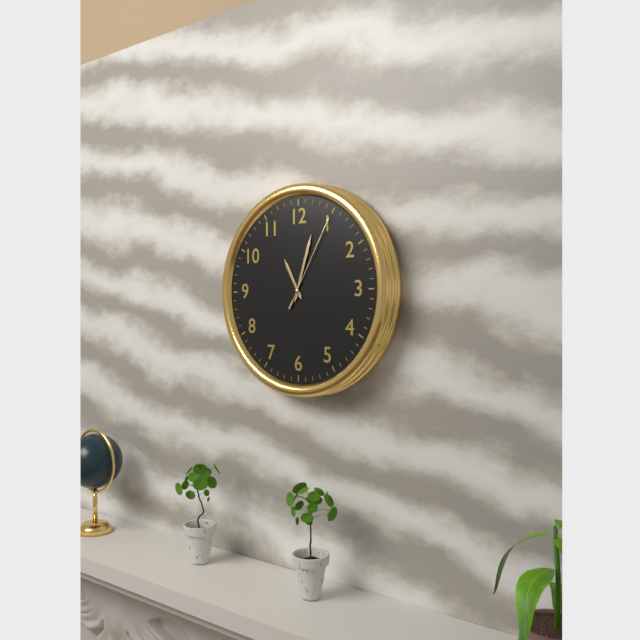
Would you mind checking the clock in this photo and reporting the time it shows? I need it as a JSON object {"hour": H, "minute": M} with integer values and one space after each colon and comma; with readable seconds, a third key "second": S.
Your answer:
{"hour": 11, "minute": 3, "second": 5}
